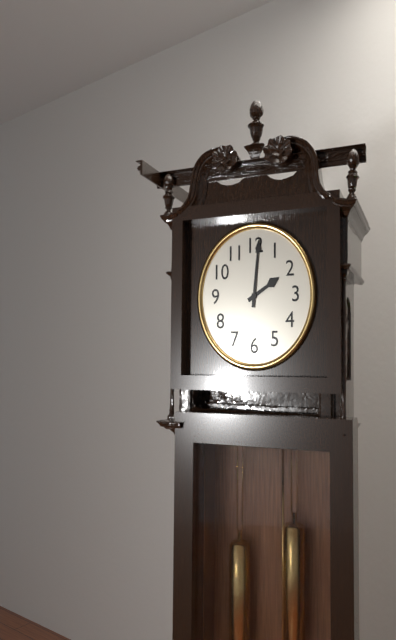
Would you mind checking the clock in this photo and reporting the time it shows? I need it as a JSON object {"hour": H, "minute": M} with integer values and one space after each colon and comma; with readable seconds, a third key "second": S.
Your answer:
{"hour": 2, "minute": 1}
